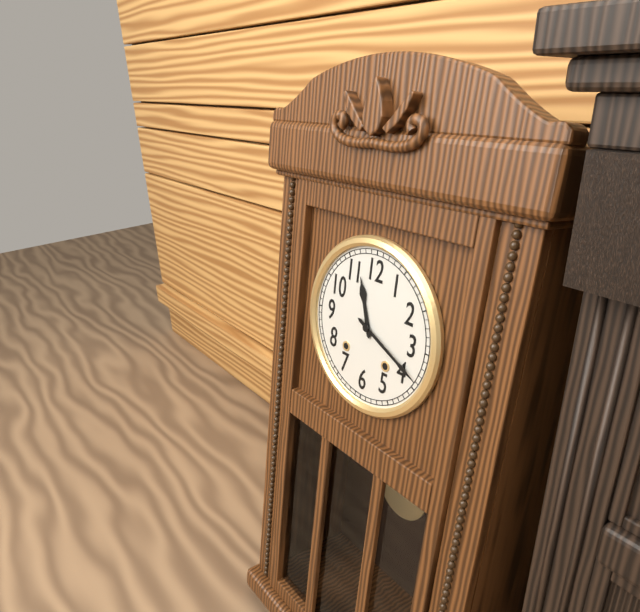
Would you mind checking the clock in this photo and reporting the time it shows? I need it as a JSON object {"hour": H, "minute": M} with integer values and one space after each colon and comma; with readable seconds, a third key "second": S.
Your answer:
{"hour": 11, "minute": 19}
